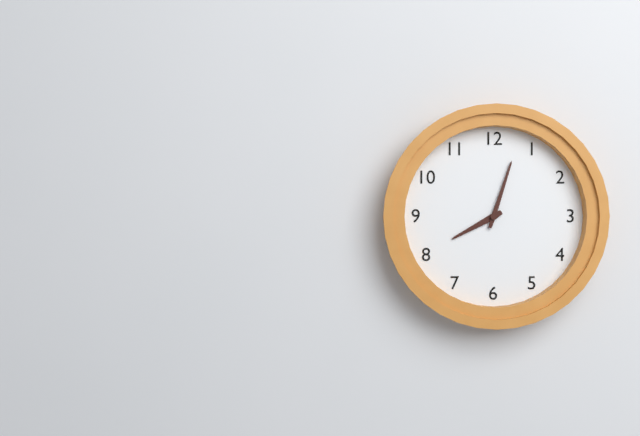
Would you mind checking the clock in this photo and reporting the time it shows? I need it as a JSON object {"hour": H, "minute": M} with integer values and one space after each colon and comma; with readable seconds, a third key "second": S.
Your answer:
{"hour": 8, "minute": 3}
